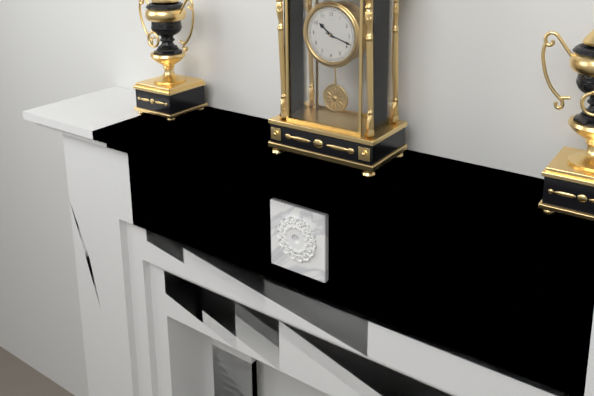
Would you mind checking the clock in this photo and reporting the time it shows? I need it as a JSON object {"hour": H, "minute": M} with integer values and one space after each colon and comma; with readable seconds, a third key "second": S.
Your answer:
{"hour": 10, "minute": 18}
